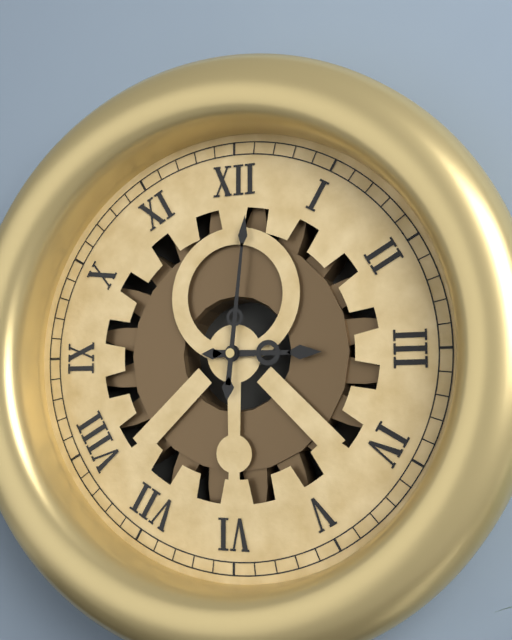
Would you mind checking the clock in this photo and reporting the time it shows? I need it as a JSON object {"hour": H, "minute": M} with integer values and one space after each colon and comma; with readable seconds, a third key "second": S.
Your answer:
{"hour": 3, "minute": 1}
